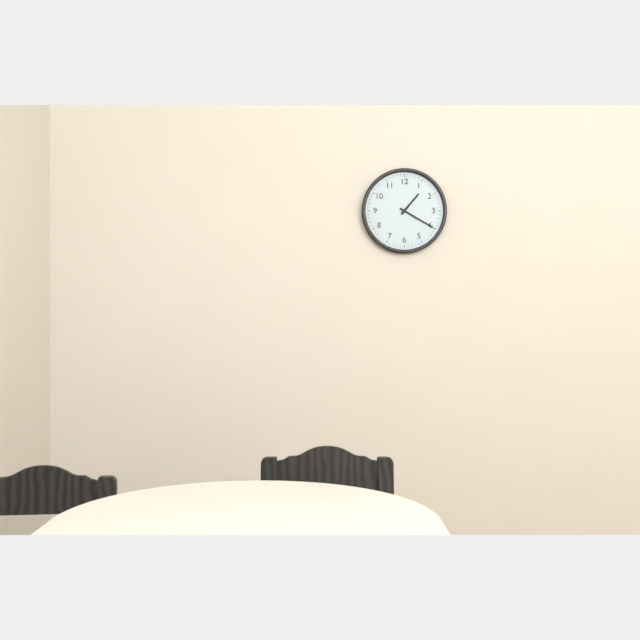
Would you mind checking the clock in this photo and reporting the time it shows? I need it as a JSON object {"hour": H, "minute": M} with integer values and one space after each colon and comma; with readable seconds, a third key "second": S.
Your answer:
{"hour": 1, "minute": 20}
